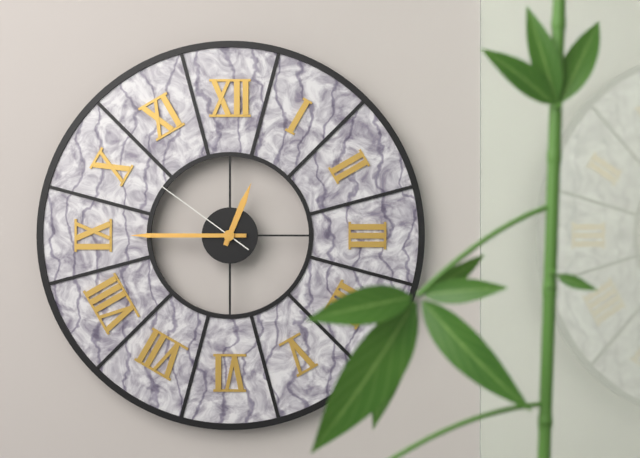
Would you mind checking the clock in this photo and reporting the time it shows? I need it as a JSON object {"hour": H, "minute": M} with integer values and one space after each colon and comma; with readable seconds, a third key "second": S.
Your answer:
{"hour": 12, "minute": 45, "second": 51}
